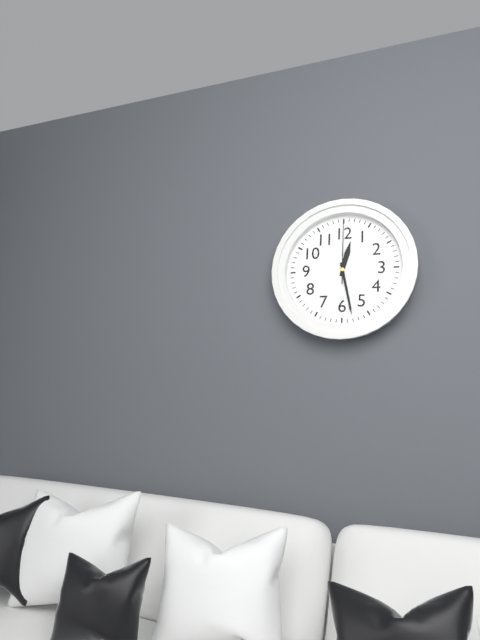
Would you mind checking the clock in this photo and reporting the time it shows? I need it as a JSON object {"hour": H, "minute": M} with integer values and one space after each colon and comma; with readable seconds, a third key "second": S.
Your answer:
{"hour": 12, "minute": 28, "second": 0}
